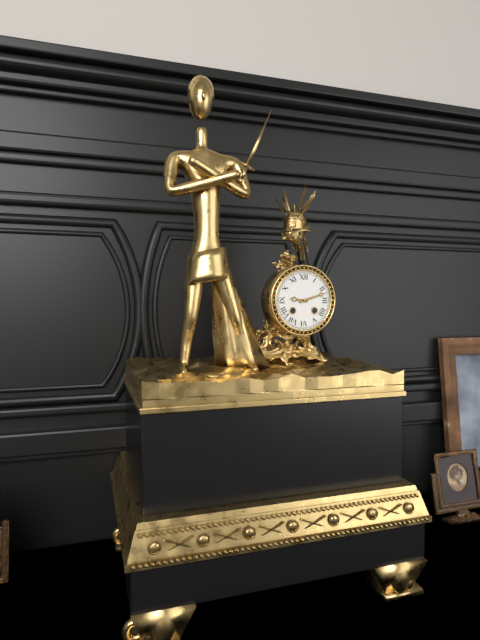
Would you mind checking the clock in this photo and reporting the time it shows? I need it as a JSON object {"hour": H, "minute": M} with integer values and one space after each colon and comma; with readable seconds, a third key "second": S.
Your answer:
{"hour": 9, "minute": 12}
